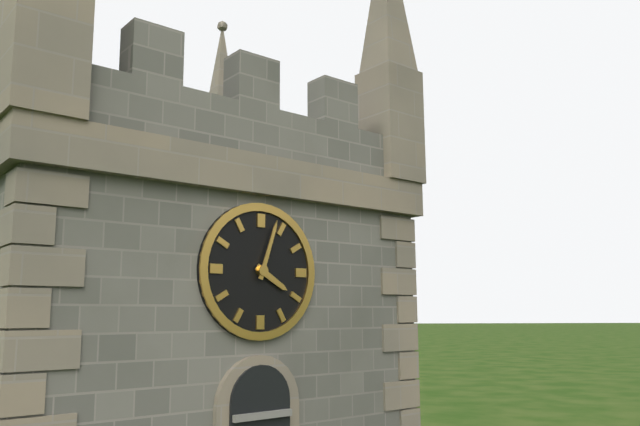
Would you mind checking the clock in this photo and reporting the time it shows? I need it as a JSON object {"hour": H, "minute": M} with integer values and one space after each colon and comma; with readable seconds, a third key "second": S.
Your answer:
{"hour": 4, "minute": 3}
